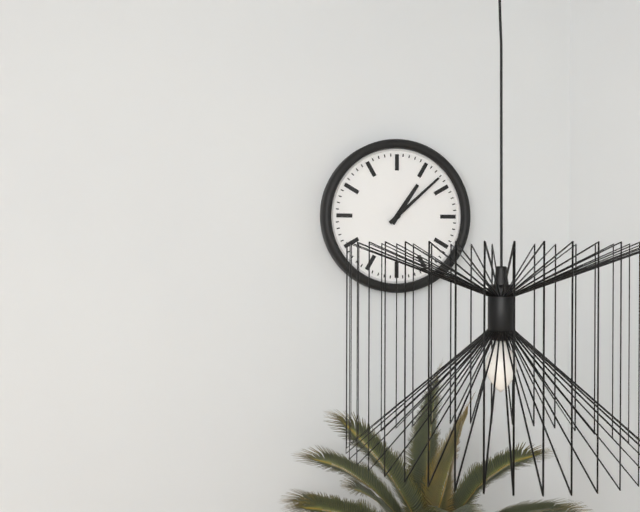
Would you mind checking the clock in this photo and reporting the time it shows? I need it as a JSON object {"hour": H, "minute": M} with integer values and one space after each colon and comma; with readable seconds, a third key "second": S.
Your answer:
{"hour": 1, "minute": 8}
